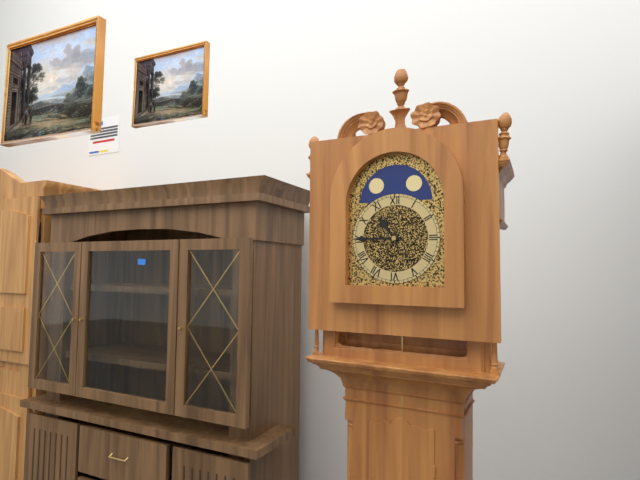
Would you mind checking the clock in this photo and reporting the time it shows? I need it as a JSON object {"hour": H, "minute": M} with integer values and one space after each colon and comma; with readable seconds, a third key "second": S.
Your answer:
{"hour": 10, "minute": 45}
